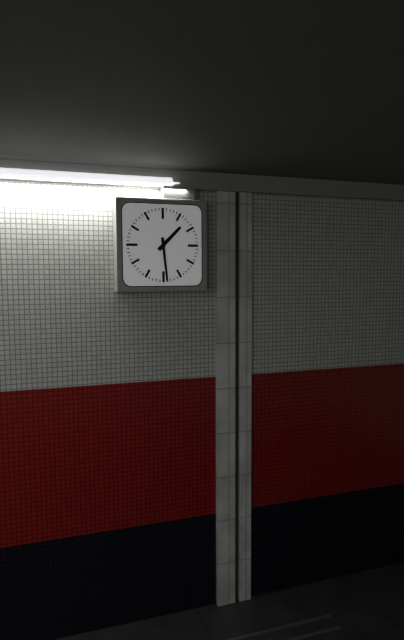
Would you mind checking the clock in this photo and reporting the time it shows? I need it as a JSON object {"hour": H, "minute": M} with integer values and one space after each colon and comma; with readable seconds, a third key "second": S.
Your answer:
{"hour": 1, "minute": 29}
